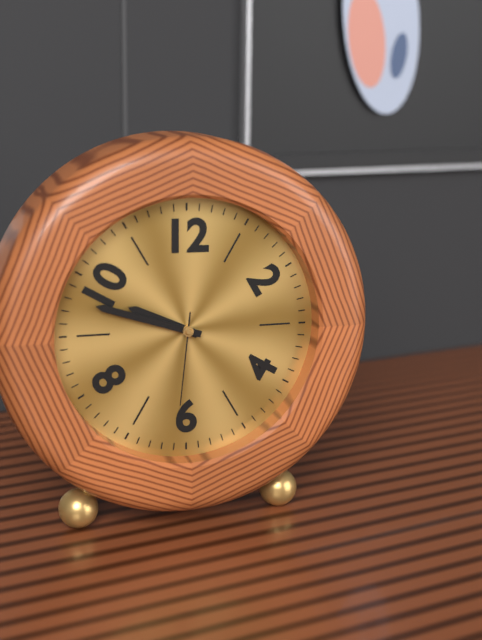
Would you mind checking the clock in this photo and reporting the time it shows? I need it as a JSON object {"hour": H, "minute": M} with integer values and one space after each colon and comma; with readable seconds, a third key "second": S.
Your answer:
{"hour": 9, "minute": 48, "second": 31}
